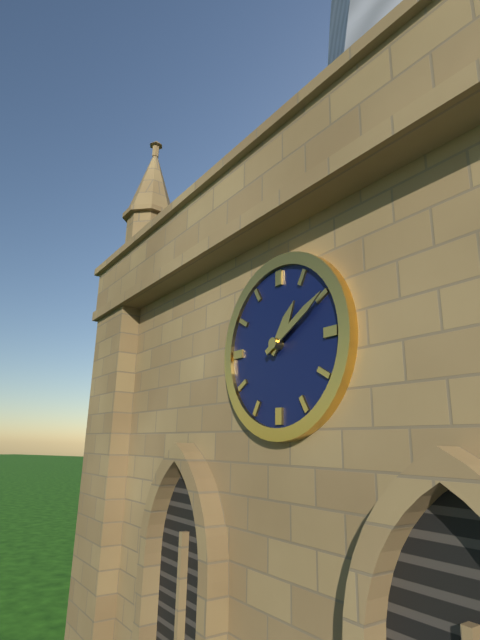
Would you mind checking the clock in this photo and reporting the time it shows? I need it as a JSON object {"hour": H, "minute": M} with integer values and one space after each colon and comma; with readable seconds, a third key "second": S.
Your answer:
{"hour": 1, "minute": 10}
